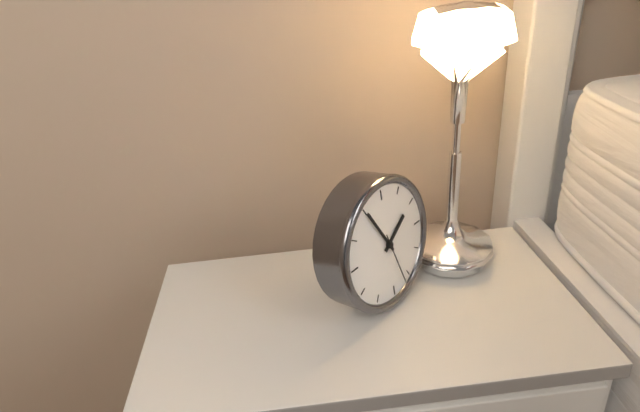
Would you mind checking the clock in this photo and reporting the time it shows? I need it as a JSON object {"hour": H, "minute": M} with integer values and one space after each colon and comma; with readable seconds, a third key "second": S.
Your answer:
{"hour": 1, "minute": 55, "second": 27}
